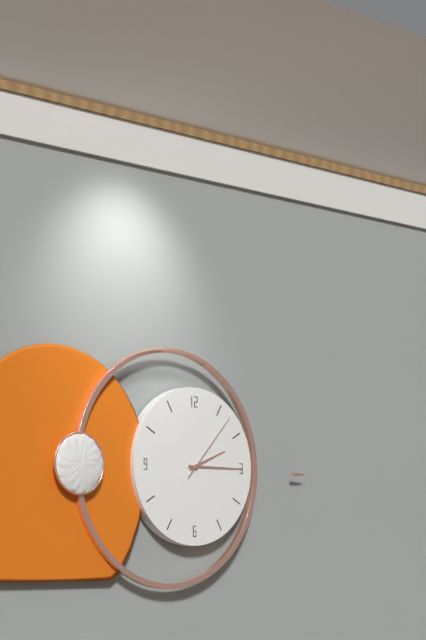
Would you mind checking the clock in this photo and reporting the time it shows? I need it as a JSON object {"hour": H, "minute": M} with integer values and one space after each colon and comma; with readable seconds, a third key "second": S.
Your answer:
{"hour": 2, "minute": 15, "second": 7}
